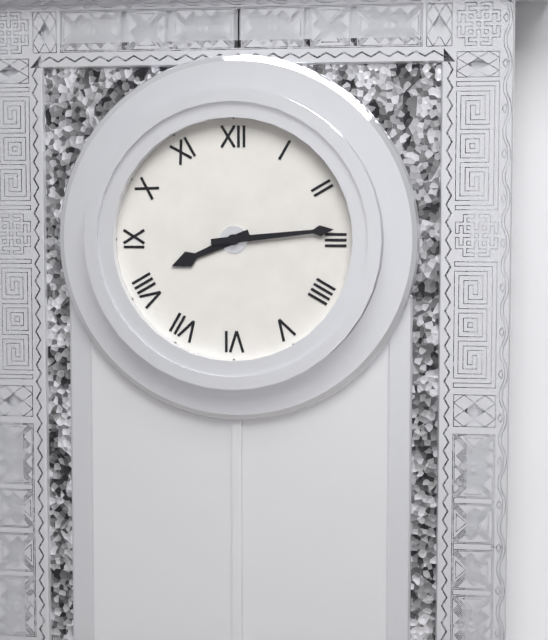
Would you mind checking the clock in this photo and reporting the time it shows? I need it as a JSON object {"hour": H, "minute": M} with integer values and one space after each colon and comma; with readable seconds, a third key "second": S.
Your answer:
{"hour": 8, "minute": 14}
